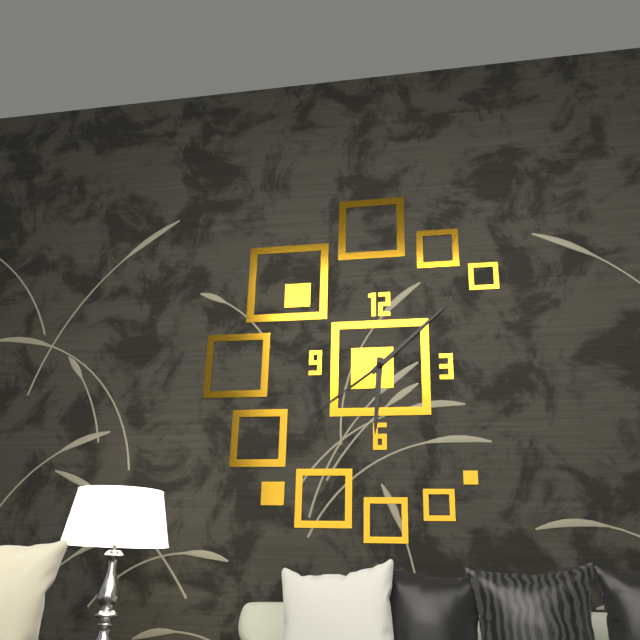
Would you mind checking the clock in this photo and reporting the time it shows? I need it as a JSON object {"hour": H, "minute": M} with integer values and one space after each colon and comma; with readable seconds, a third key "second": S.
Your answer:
{"hour": 6, "minute": 8, "second": 39}
